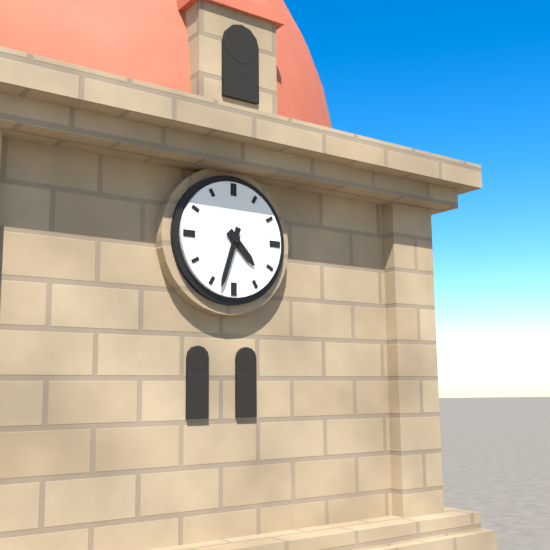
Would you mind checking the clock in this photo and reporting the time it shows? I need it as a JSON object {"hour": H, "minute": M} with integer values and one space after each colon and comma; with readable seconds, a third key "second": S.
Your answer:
{"hour": 4, "minute": 33}
